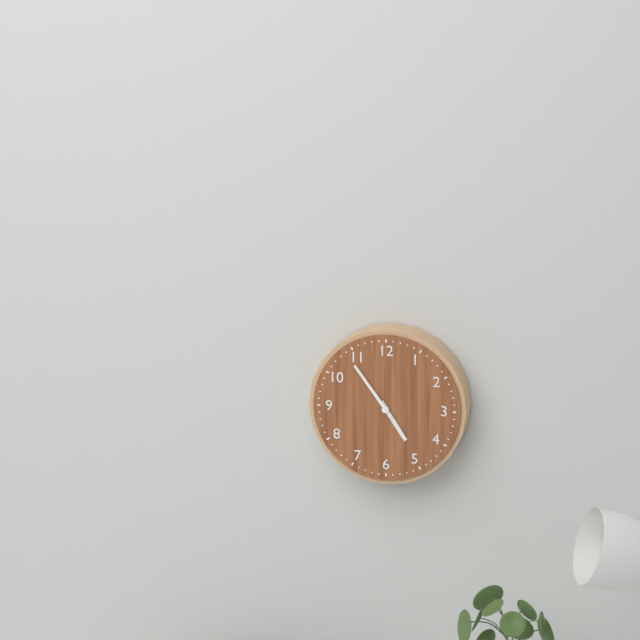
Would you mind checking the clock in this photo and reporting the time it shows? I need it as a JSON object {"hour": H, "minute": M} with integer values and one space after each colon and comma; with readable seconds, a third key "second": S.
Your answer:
{"hour": 4, "minute": 54}
